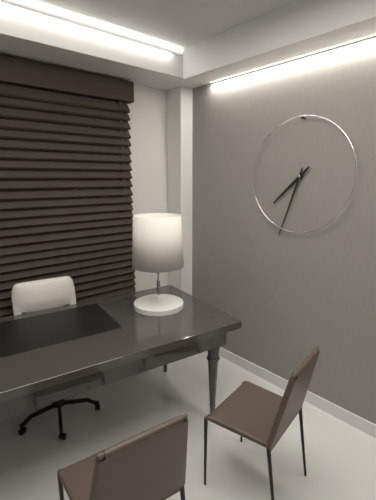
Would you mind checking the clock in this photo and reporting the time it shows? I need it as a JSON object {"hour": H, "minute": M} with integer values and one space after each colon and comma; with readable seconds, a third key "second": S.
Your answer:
{"hour": 7, "minute": 33}
